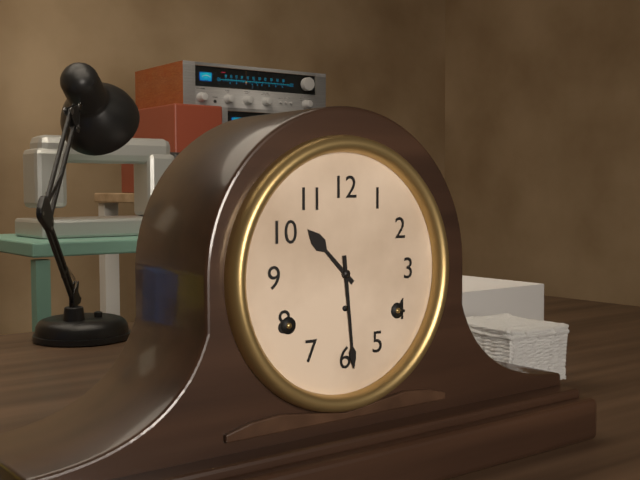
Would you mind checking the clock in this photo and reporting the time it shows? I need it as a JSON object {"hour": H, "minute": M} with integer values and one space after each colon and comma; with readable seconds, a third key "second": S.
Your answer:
{"hour": 10, "minute": 29}
